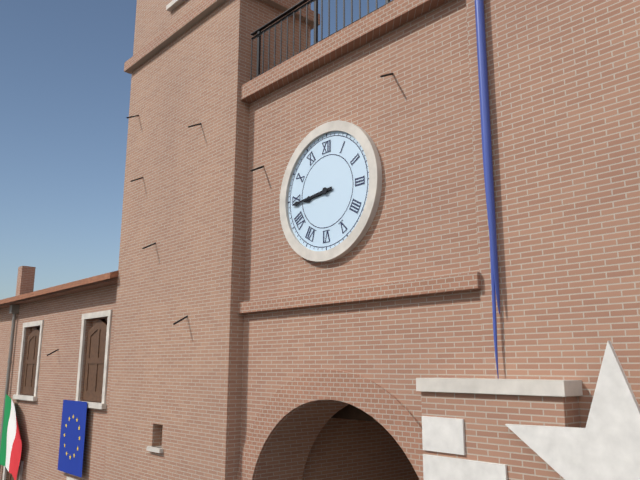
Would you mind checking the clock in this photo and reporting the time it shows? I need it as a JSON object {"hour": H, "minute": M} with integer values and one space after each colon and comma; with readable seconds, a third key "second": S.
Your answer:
{"hour": 8, "minute": 44}
